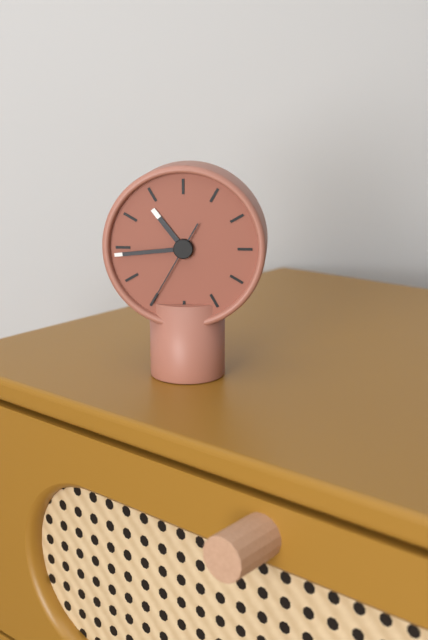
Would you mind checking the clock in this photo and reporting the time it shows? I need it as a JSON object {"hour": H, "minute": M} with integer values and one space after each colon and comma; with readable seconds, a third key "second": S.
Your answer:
{"hour": 10, "minute": 44, "second": 35}
